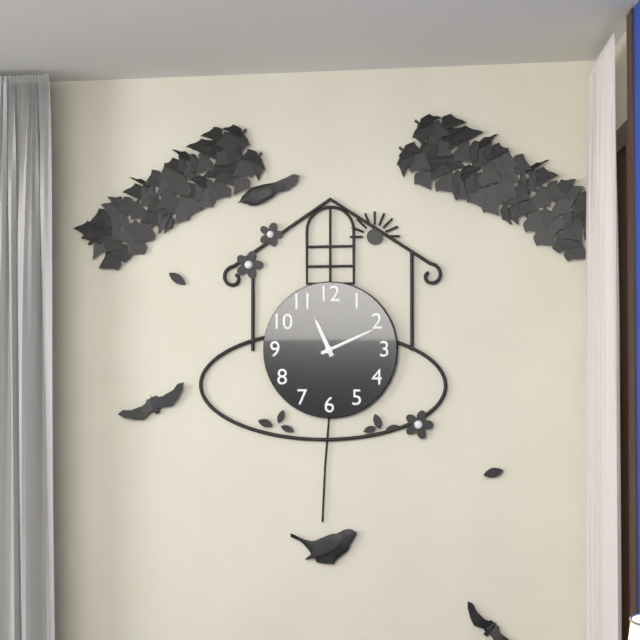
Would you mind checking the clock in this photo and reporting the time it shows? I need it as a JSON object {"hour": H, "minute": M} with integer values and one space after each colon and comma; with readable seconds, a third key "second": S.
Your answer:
{"hour": 11, "minute": 11}
